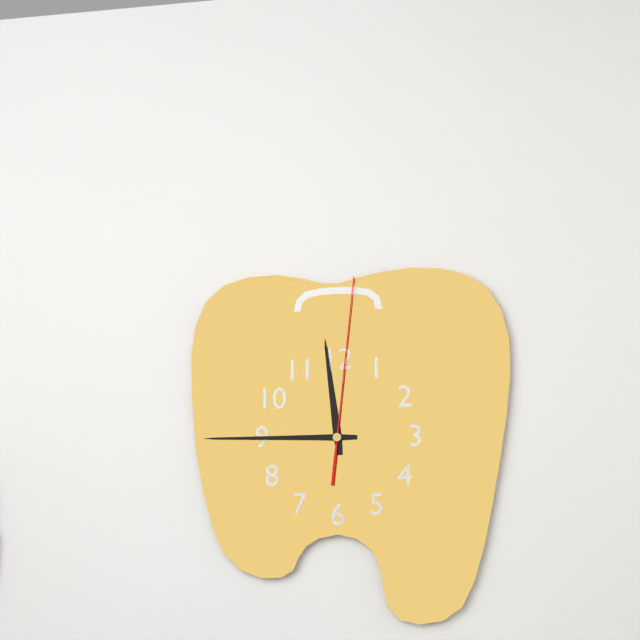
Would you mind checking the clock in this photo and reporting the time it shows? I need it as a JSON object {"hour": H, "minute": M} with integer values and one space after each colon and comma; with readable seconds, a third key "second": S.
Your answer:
{"hour": 11, "minute": 45, "second": 1}
